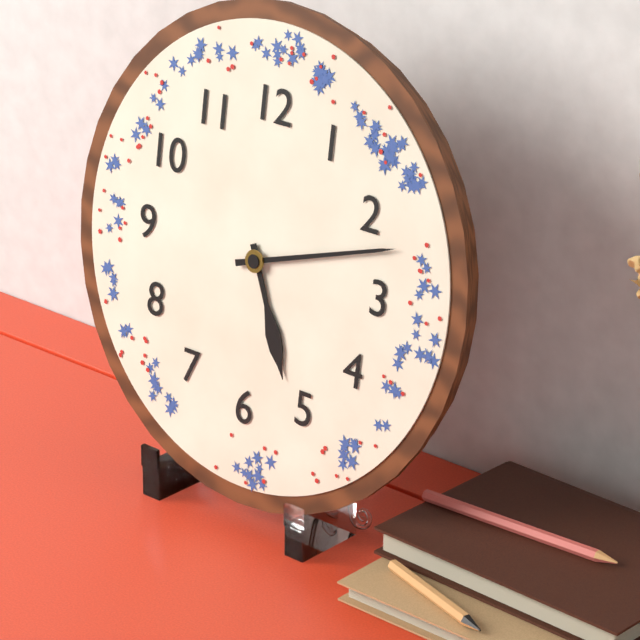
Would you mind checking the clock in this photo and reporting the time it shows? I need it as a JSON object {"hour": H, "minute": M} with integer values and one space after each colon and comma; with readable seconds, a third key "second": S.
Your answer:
{"hour": 5, "minute": 12}
